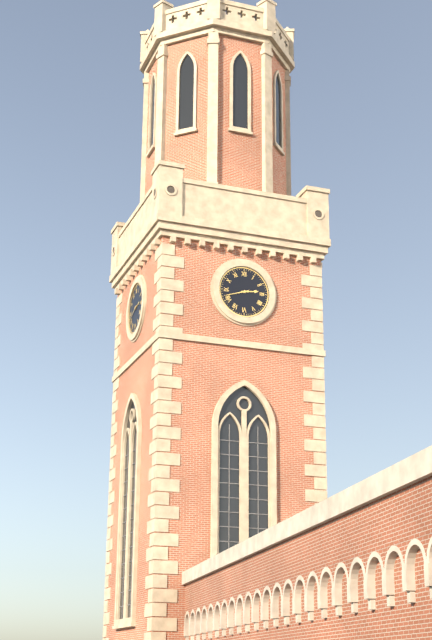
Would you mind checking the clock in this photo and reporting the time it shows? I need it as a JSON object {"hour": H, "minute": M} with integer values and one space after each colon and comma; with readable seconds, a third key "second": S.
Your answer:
{"hour": 2, "minute": 42}
